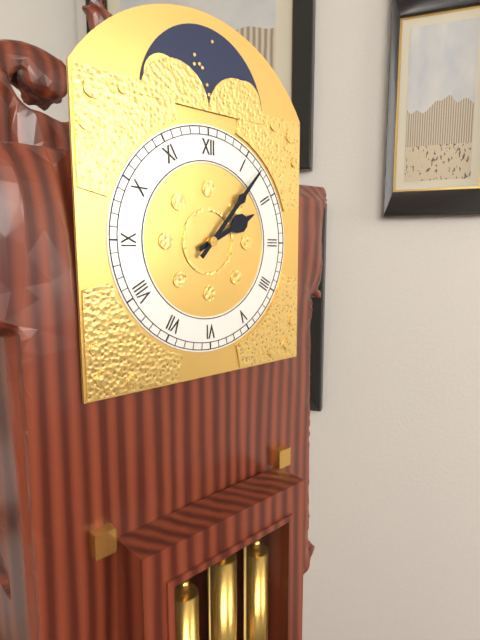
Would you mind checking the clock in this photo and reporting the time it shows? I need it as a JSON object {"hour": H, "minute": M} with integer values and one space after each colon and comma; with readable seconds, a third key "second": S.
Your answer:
{"hour": 2, "minute": 7}
